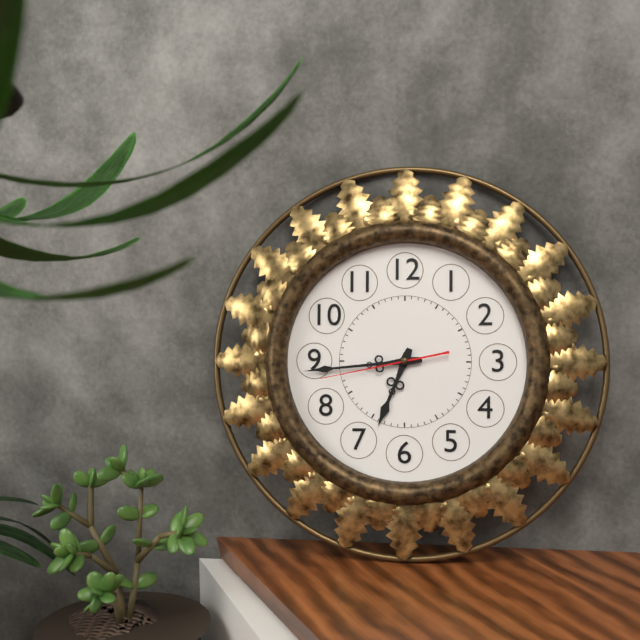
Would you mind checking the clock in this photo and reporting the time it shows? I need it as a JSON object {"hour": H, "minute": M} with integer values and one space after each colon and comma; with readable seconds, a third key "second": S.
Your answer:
{"hour": 6, "minute": 44, "second": 43}
